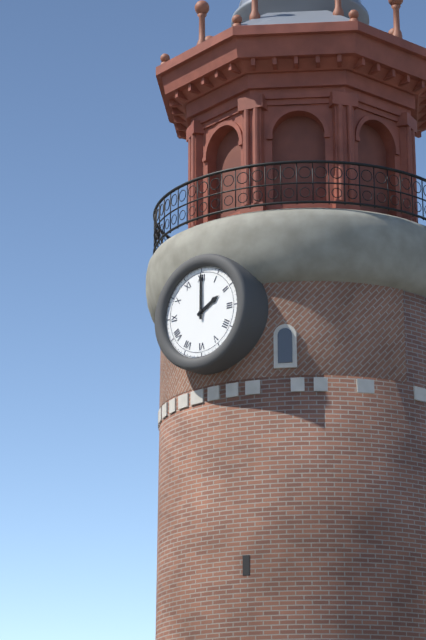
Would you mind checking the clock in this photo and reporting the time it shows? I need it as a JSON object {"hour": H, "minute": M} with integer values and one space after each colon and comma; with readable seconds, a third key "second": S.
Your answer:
{"hour": 2, "minute": 0}
